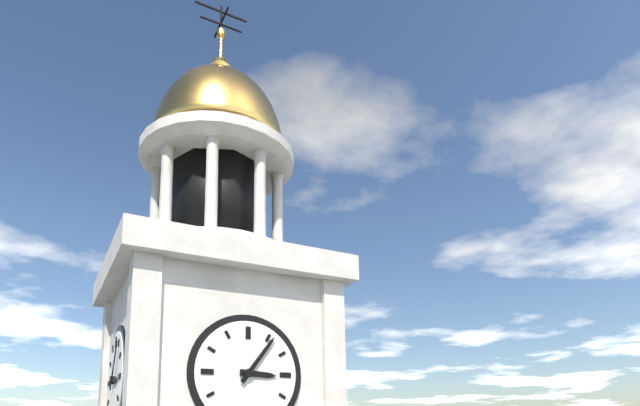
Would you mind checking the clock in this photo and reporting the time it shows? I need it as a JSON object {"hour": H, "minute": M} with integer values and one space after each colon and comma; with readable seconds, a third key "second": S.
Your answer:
{"hour": 3, "minute": 6}
